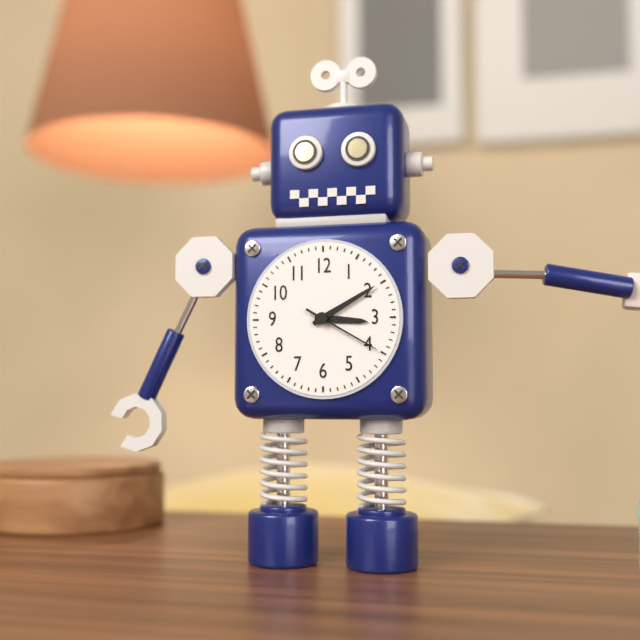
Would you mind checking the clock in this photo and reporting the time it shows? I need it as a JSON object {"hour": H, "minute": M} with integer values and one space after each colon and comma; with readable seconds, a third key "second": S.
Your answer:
{"hour": 3, "minute": 10, "second": 20}
